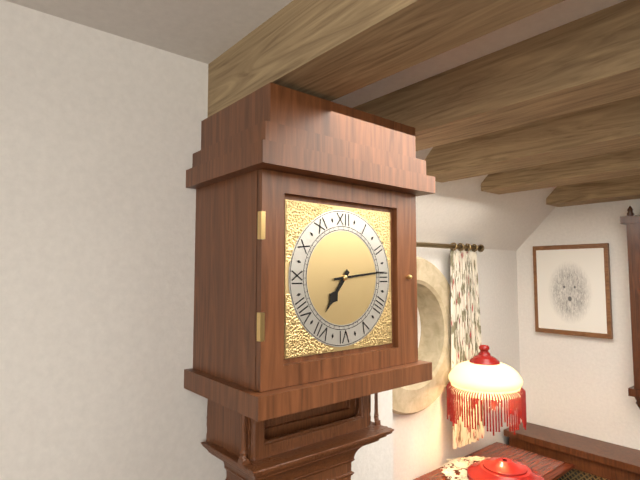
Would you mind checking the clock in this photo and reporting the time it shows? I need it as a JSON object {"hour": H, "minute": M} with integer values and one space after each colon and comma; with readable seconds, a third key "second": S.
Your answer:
{"hour": 7, "minute": 14}
